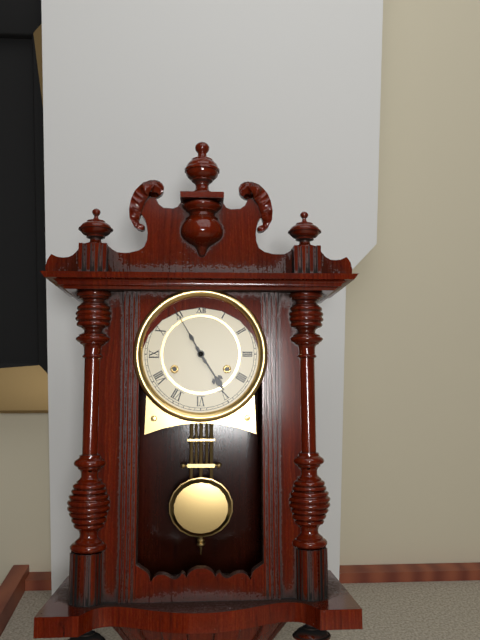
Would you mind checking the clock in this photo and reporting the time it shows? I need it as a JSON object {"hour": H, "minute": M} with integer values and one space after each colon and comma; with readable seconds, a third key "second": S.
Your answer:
{"hour": 4, "minute": 55}
